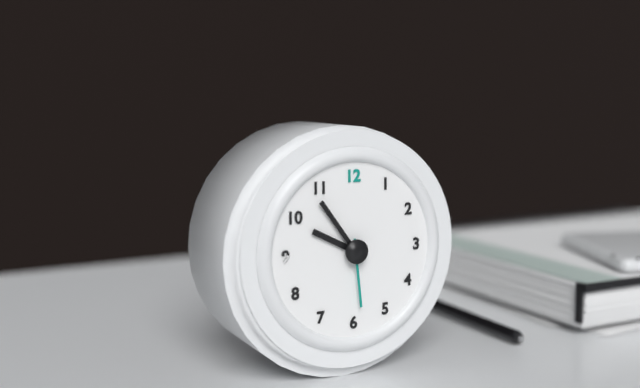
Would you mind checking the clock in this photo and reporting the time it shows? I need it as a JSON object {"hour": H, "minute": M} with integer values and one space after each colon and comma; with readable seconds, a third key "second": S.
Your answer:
{"hour": 9, "minute": 54, "second": 29}
